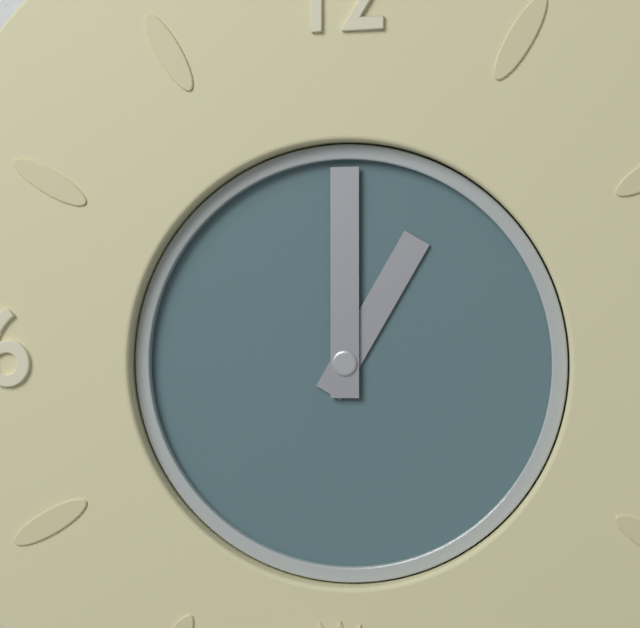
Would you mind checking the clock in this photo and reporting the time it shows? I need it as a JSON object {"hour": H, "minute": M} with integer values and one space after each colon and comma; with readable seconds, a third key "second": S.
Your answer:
{"hour": 1, "minute": 0}
